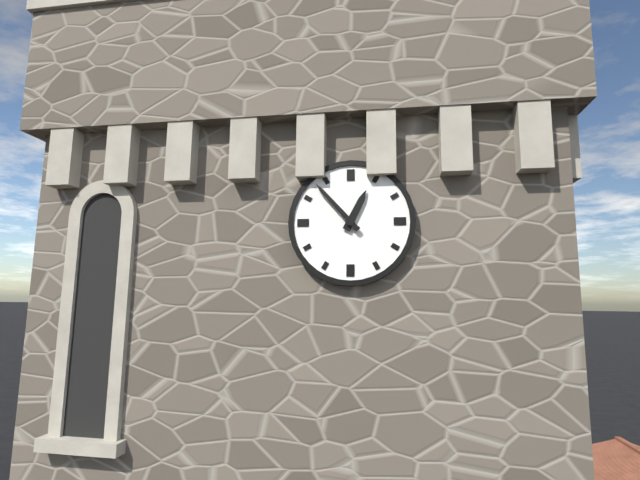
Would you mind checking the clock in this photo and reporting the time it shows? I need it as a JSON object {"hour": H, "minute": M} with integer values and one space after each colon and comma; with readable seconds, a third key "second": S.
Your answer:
{"hour": 12, "minute": 53}
